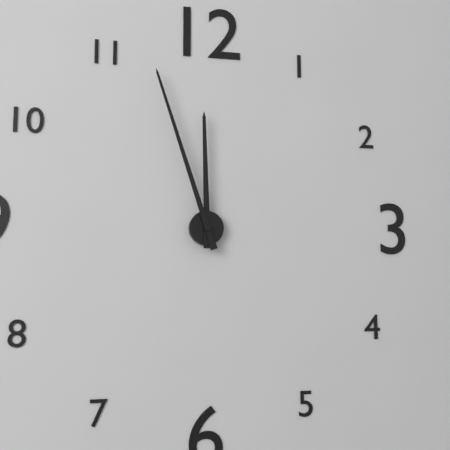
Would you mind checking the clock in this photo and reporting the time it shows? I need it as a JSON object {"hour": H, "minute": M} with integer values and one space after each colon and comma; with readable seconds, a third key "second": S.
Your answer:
{"hour": 11, "minute": 57}
